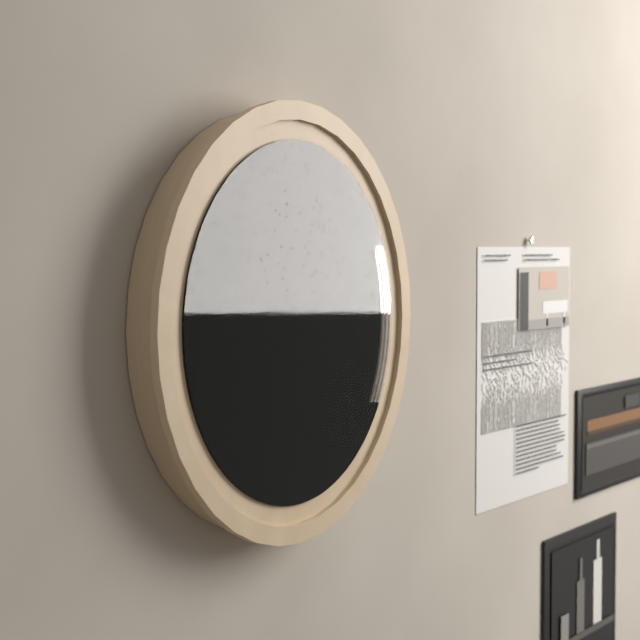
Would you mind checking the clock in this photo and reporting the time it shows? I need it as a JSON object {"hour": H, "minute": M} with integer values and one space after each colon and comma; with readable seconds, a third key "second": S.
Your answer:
{"hour": 9, "minute": 15}
